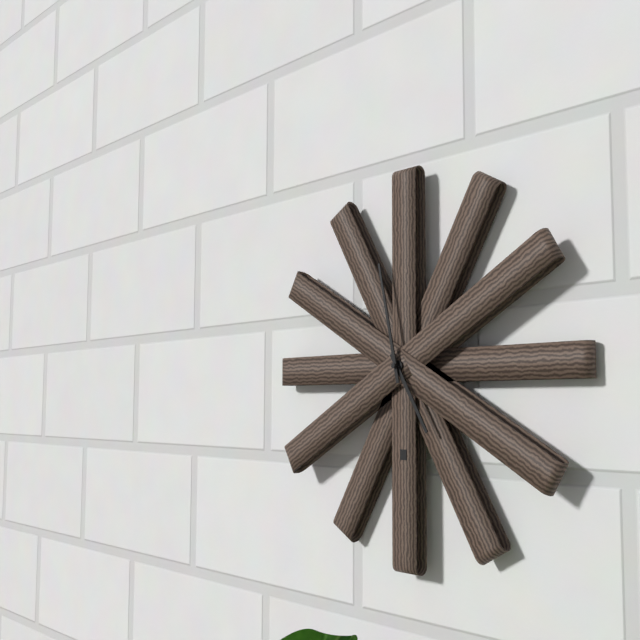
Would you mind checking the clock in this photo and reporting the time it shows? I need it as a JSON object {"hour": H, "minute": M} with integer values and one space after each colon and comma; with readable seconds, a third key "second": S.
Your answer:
{"hour": 4, "minute": 58}
